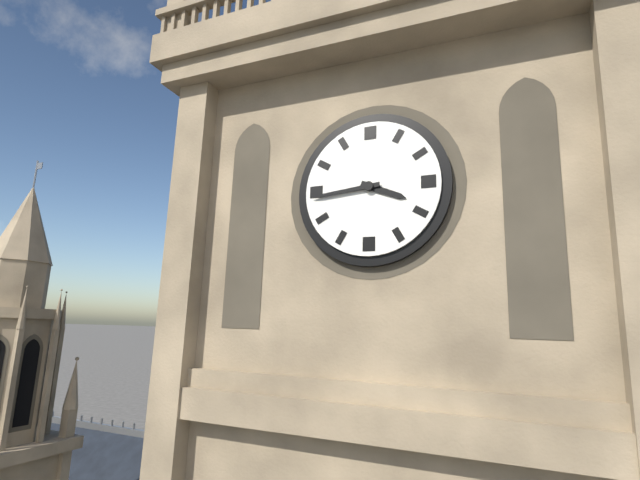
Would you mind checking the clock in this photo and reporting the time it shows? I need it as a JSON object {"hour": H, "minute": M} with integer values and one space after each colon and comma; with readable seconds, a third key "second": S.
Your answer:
{"hour": 3, "minute": 44}
